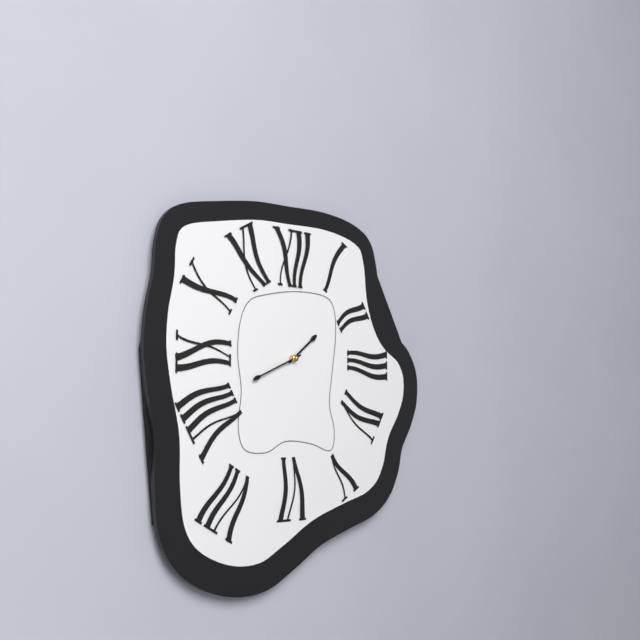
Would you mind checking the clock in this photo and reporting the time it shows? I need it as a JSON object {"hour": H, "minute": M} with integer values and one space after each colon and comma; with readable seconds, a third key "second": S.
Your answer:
{"hour": 1, "minute": 41}
